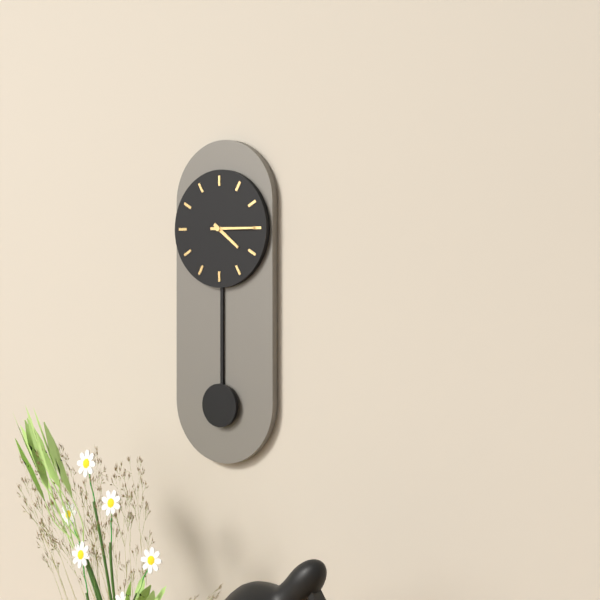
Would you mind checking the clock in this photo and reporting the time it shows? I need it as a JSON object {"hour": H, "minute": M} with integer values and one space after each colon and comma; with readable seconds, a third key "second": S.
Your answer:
{"hour": 4, "minute": 15}
